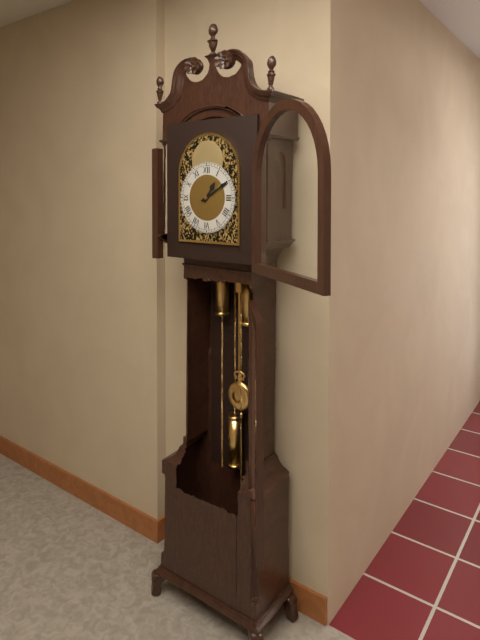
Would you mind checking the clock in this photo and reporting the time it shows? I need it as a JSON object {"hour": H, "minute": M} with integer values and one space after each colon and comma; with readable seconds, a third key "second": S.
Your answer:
{"hour": 1, "minute": 10}
